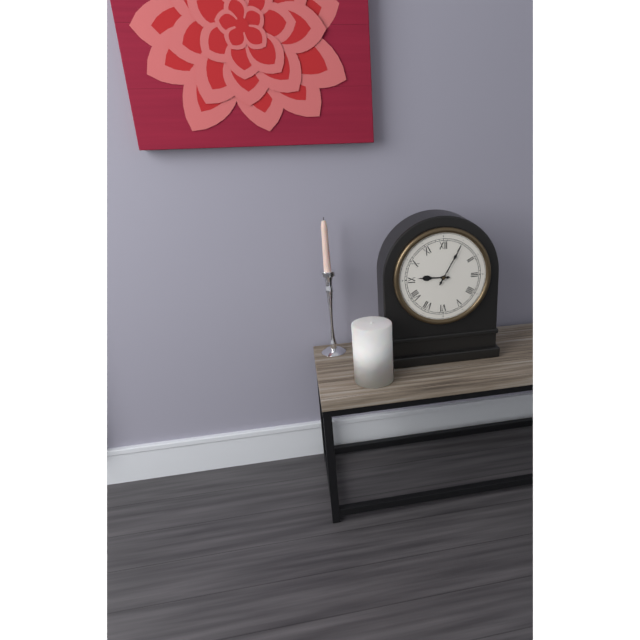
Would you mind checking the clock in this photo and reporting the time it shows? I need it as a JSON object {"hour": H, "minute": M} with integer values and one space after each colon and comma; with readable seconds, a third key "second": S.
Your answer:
{"hour": 9, "minute": 5}
